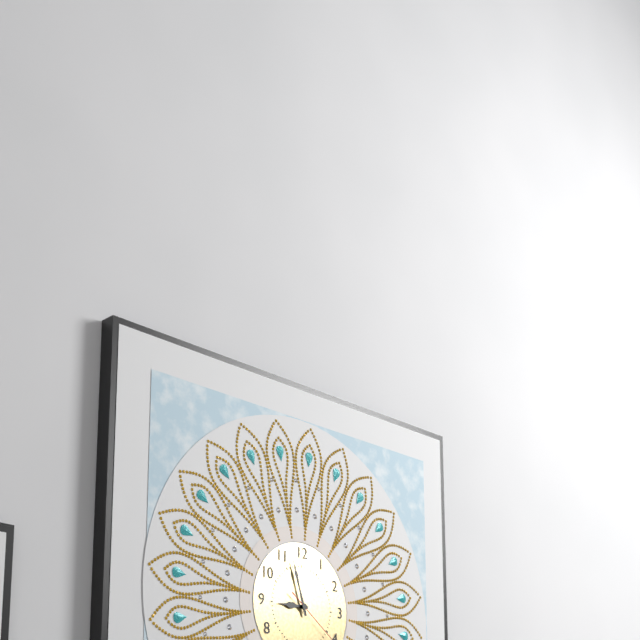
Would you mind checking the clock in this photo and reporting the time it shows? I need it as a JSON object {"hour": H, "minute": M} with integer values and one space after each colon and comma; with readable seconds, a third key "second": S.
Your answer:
{"hour": 8, "minute": 57}
